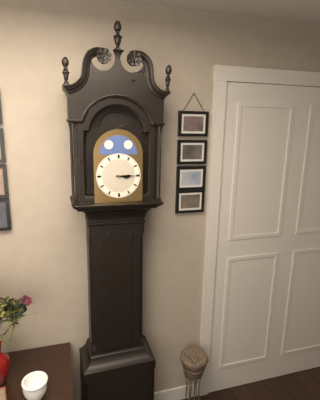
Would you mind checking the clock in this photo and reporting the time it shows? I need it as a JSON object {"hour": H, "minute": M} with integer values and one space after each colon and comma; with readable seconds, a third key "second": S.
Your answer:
{"hour": 3, "minute": 15}
